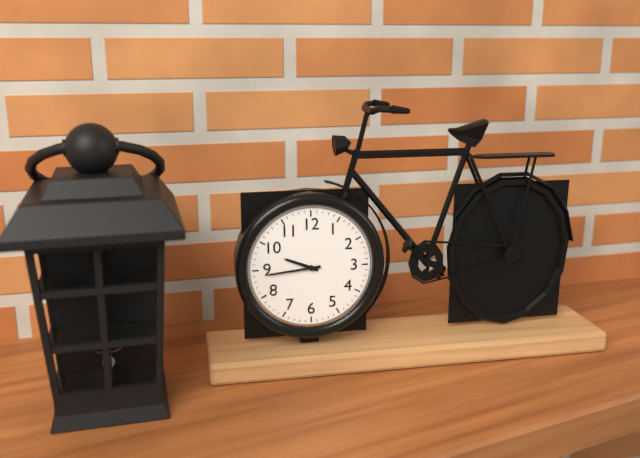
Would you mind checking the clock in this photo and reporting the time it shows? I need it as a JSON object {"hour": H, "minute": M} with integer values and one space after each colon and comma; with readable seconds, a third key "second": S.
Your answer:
{"hour": 9, "minute": 44}
